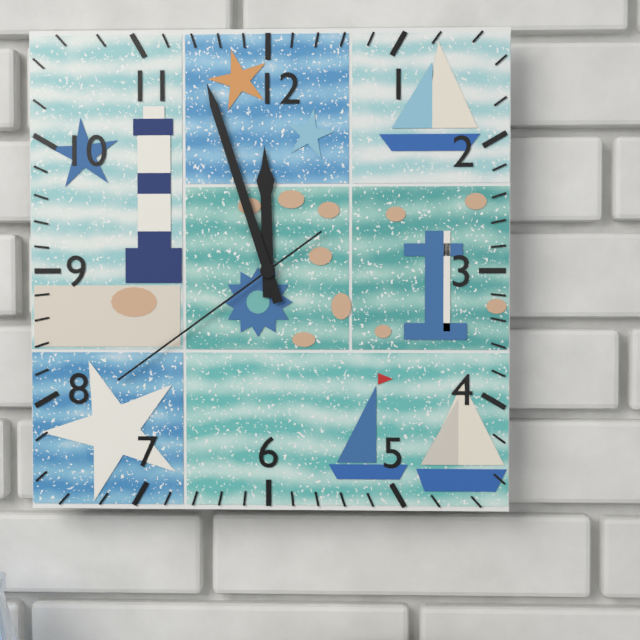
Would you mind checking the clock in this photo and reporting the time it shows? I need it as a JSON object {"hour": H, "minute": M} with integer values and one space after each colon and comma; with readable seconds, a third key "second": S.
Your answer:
{"hour": 11, "minute": 57, "second": 39}
